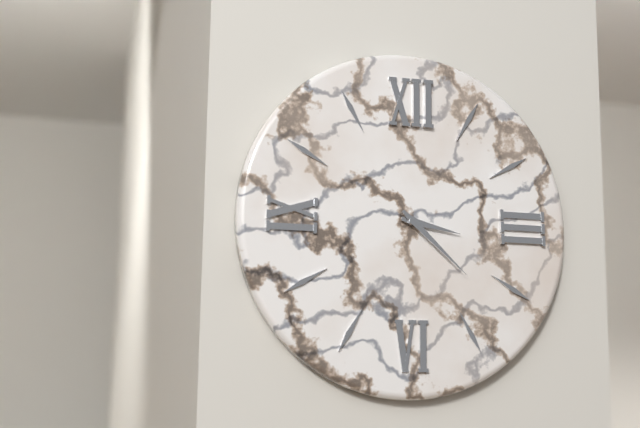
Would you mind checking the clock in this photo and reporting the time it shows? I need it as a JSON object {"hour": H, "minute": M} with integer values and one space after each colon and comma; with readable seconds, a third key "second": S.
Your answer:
{"hour": 3, "minute": 22}
